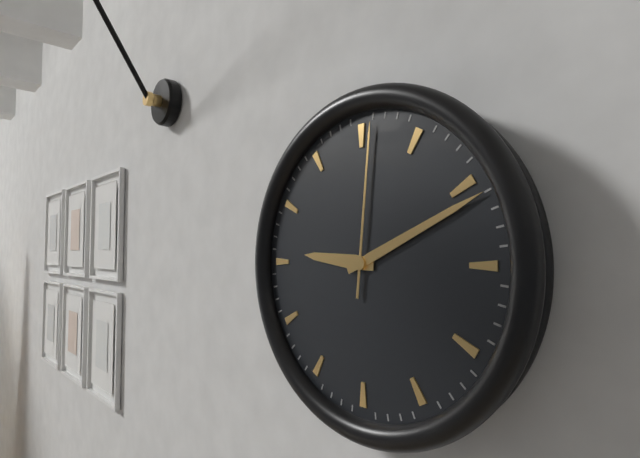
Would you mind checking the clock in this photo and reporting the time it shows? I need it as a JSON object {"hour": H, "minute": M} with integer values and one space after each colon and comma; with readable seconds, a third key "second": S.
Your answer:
{"hour": 9, "minute": 11, "second": 1}
